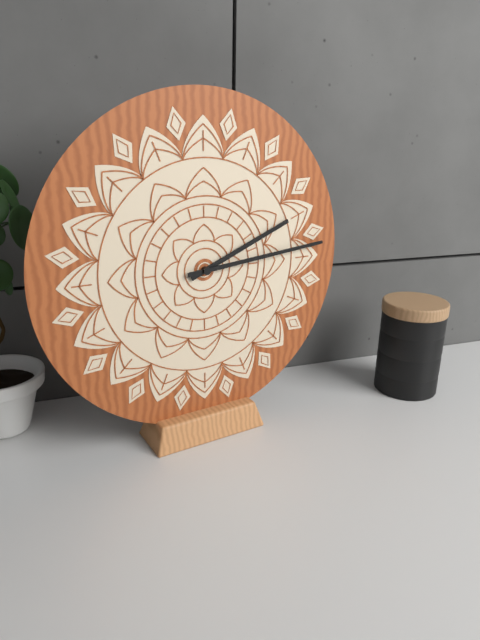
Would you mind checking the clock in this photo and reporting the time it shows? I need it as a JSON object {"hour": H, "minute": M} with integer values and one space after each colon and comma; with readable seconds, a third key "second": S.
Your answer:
{"hour": 2, "minute": 14}
